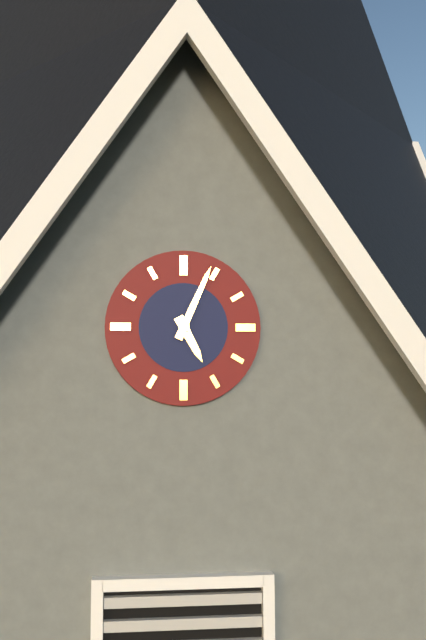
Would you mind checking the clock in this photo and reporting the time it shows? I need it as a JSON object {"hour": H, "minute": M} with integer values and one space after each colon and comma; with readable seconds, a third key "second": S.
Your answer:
{"hour": 5, "minute": 4}
